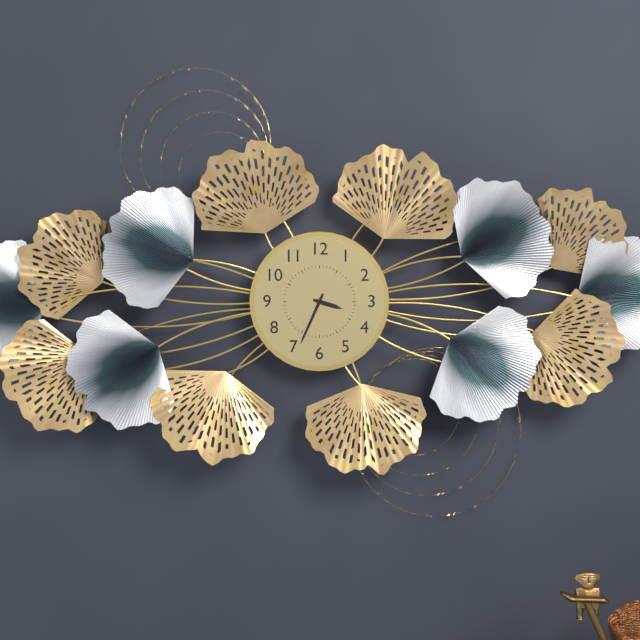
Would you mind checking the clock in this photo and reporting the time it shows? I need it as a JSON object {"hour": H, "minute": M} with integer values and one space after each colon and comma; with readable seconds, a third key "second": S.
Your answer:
{"hour": 3, "minute": 34}
